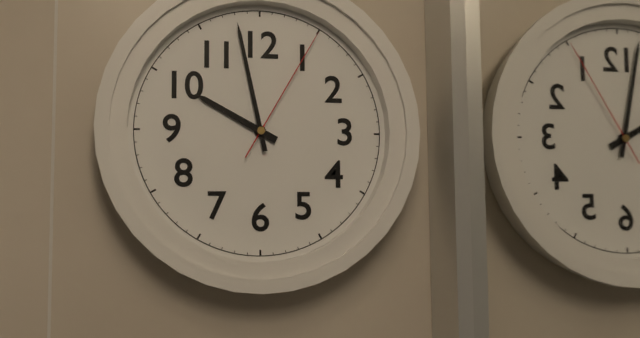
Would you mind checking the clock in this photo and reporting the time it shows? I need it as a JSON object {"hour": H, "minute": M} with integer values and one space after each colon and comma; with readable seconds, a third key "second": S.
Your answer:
{"hour": 9, "minute": 58, "second": 5}
